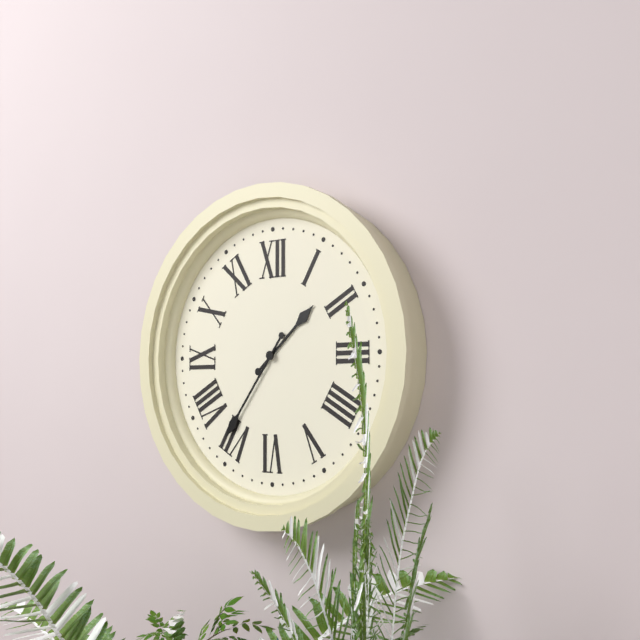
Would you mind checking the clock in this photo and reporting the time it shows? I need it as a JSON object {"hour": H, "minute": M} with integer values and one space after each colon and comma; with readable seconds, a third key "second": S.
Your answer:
{"hour": 1, "minute": 36}
